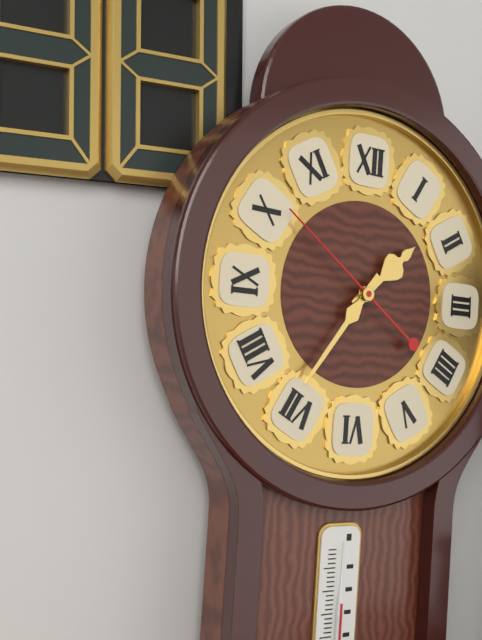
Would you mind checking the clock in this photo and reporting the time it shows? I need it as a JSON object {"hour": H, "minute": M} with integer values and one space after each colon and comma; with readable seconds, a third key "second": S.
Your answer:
{"hour": 1, "minute": 36, "second": 51}
